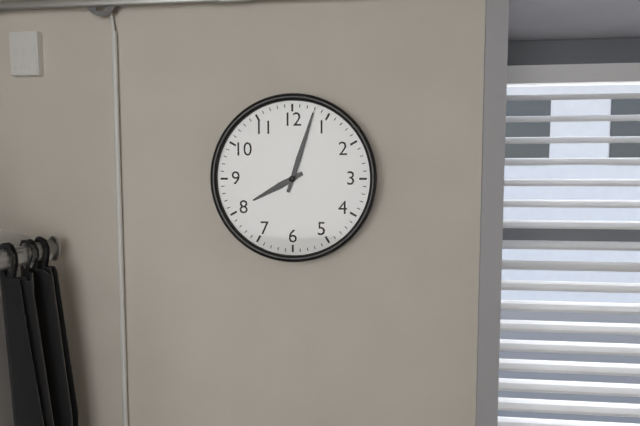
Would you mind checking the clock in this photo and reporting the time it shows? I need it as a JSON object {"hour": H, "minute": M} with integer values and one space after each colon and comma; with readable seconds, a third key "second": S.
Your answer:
{"hour": 8, "minute": 3}
